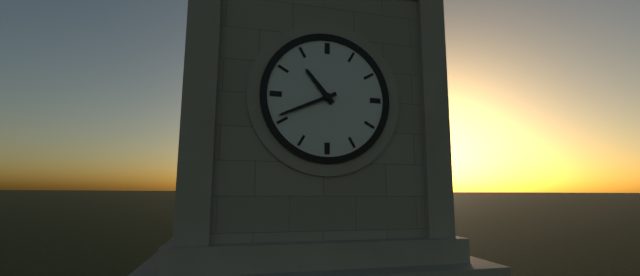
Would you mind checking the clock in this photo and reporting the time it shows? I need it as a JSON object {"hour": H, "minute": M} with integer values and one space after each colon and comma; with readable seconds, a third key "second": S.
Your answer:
{"hour": 10, "minute": 41}
